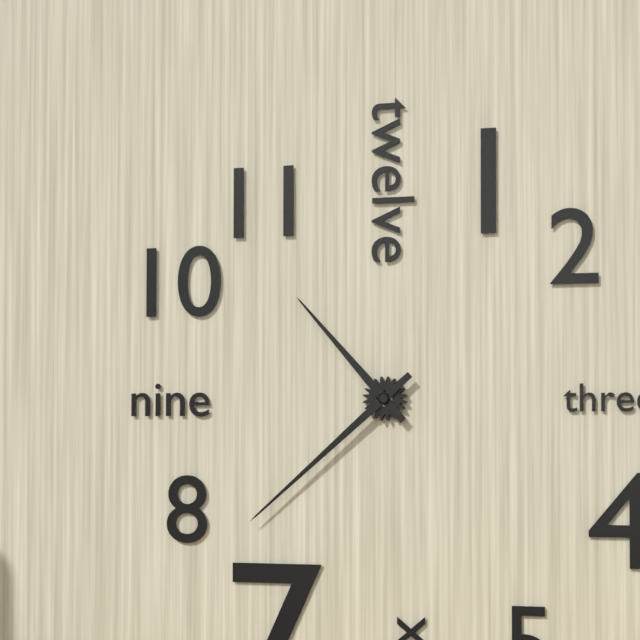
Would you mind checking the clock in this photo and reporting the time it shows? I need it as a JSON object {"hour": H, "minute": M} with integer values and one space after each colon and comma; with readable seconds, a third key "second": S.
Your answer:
{"hour": 10, "minute": 38}
